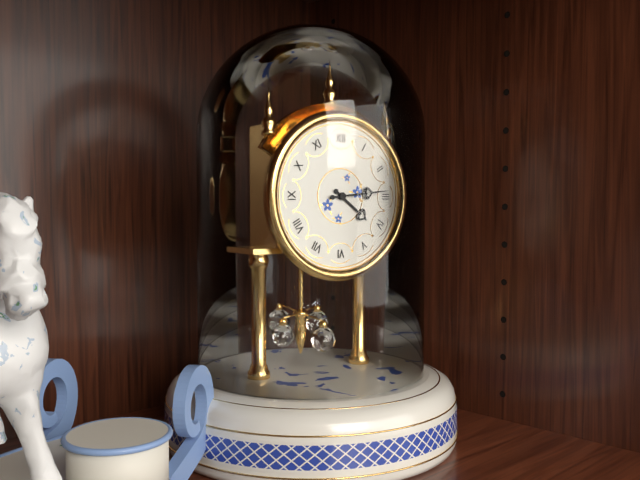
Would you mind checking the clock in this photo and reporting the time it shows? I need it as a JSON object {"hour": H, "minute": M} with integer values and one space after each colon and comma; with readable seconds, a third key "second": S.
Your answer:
{"hour": 4, "minute": 14}
